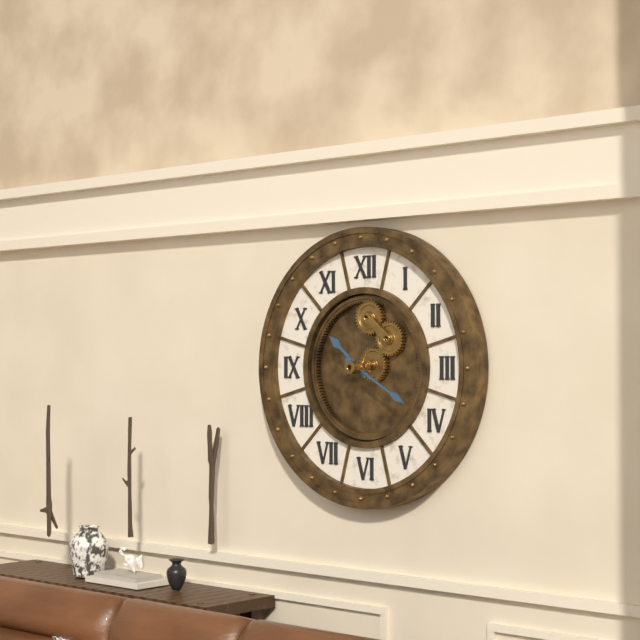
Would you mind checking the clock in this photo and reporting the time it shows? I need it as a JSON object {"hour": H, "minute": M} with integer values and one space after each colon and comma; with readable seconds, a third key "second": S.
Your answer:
{"hour": 10, "minute": 20}
